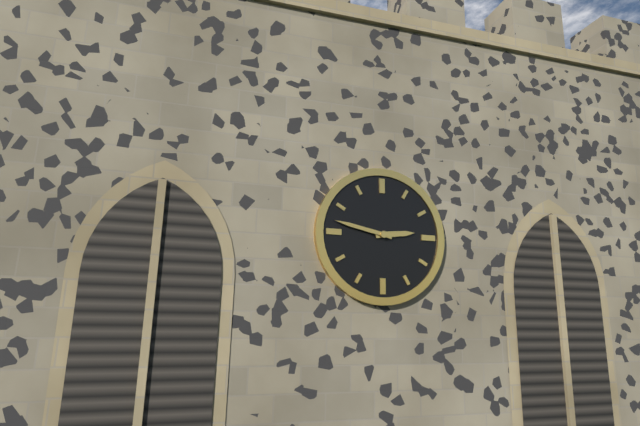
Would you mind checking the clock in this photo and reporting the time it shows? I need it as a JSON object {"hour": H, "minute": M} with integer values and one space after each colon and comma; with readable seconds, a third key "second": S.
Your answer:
{"hour": 2, "minute": 47}
